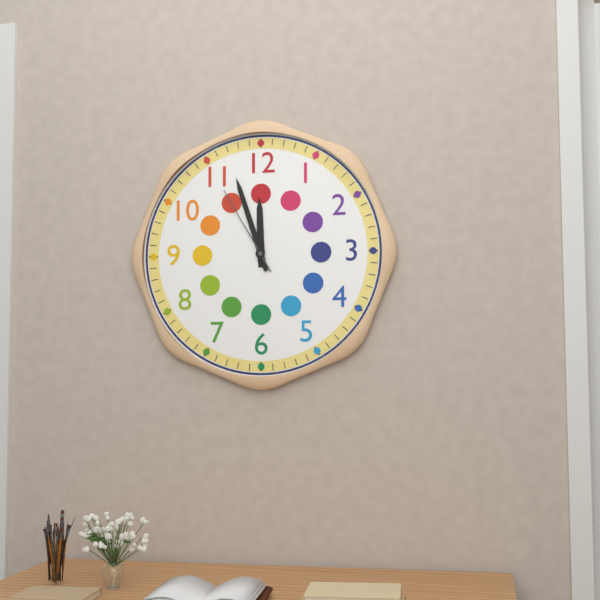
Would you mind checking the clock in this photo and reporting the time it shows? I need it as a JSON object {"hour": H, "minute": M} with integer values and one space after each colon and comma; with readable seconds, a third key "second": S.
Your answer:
{"hour": 11, "minute": 57, "second": 55}
